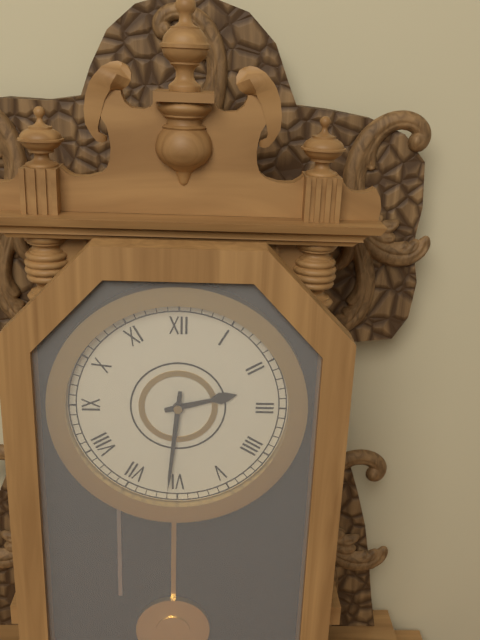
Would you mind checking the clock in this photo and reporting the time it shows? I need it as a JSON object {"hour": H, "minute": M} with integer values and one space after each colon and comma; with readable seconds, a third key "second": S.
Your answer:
{"hour": 2, "minute": 31}
